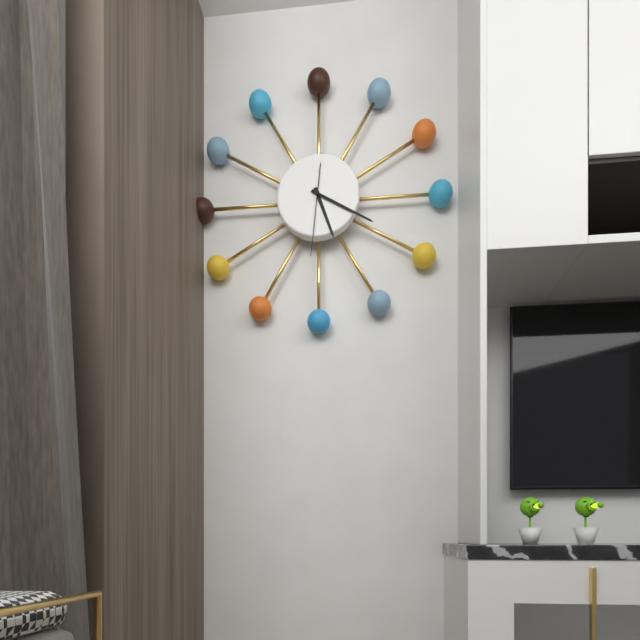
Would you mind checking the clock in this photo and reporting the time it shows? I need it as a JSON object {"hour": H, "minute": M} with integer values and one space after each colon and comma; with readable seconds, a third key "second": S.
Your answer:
{"hour": 5, "minute": 20, "second": 31}
